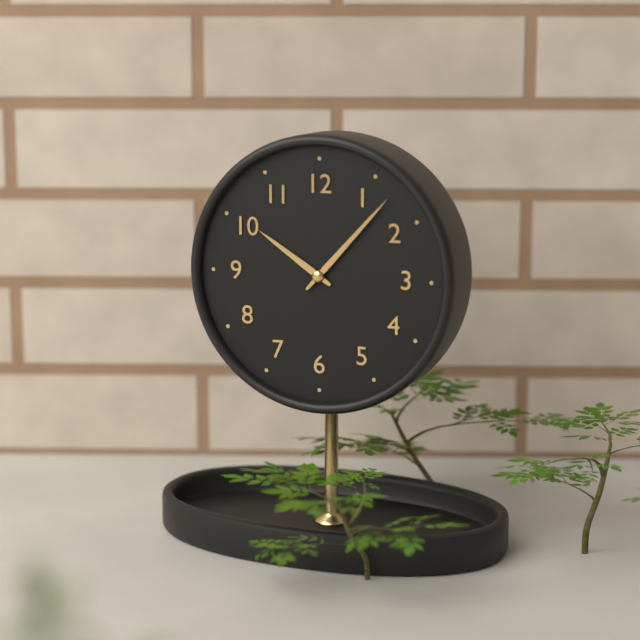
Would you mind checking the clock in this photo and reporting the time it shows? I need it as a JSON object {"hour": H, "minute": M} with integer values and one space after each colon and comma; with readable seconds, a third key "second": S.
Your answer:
{"hour": 10, "minute": 7}
